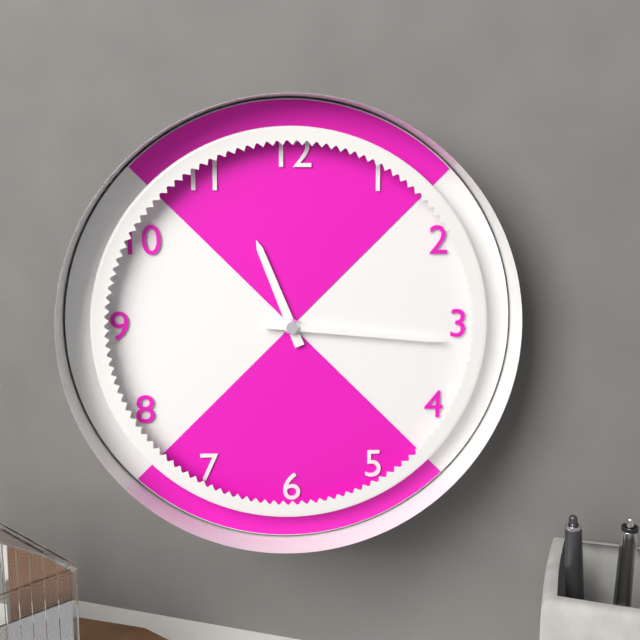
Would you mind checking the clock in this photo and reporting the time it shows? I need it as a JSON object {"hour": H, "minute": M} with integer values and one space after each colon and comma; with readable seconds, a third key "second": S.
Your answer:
{"hour": 11, "minute": 16}
